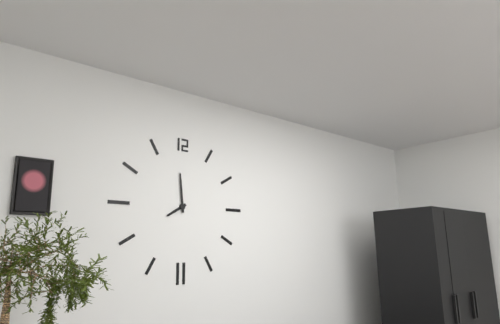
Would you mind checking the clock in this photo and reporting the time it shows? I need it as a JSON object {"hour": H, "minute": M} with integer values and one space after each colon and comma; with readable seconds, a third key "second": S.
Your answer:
{"hour": 7, "minute": 59}
